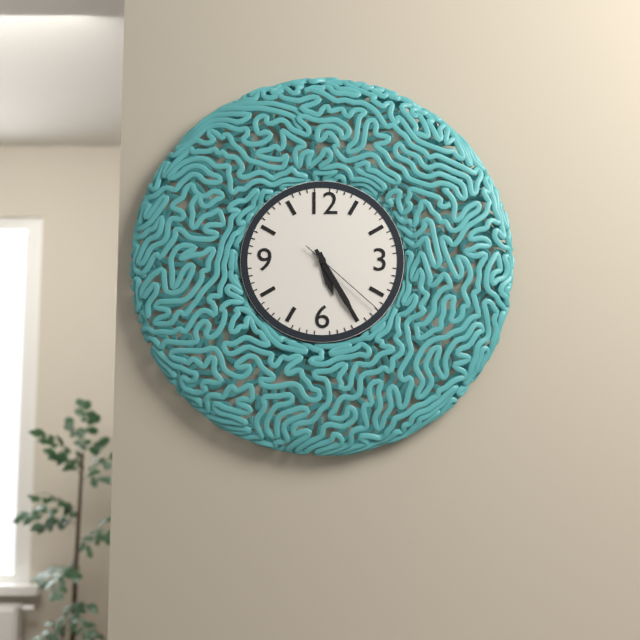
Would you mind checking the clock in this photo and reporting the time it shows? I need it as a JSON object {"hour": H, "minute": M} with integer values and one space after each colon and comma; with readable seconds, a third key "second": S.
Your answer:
{"hour": 5, "minute": 25, "second": 22}
